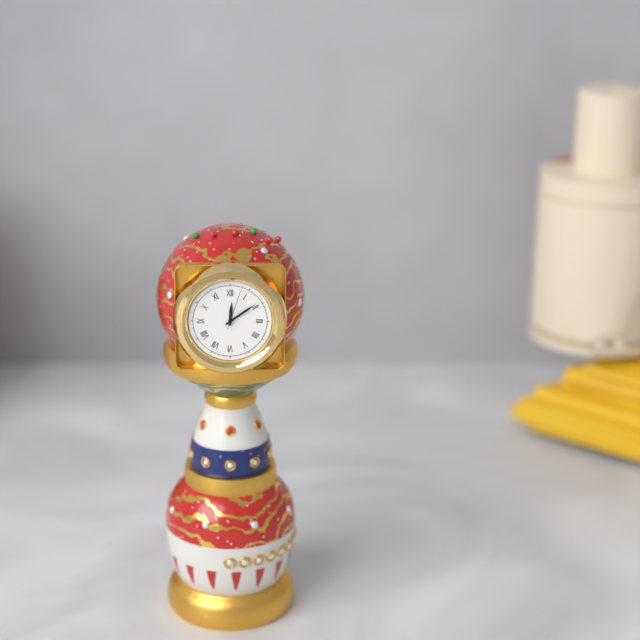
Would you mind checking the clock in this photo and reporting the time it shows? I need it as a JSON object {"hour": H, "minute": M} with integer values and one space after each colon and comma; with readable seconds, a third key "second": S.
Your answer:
{"hour": 12, "minute": 9}
